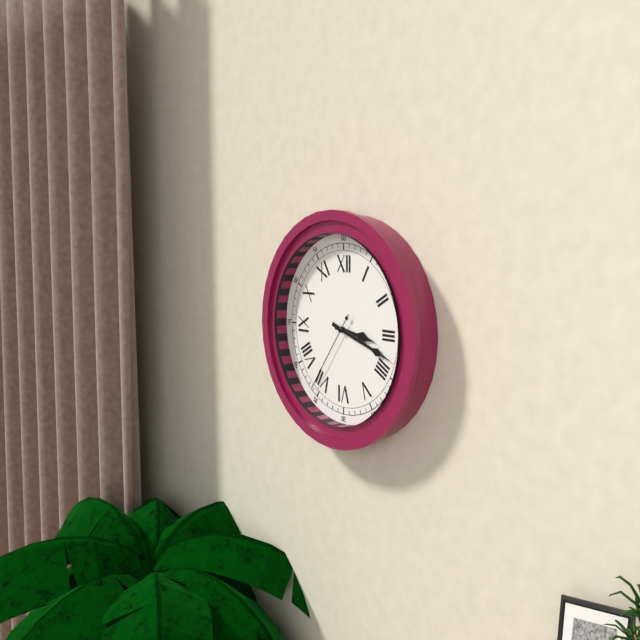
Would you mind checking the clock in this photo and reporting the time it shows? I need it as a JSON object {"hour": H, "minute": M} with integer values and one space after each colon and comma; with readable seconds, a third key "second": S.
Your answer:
{"hour": 3, "minute": 18, "second": 36}
